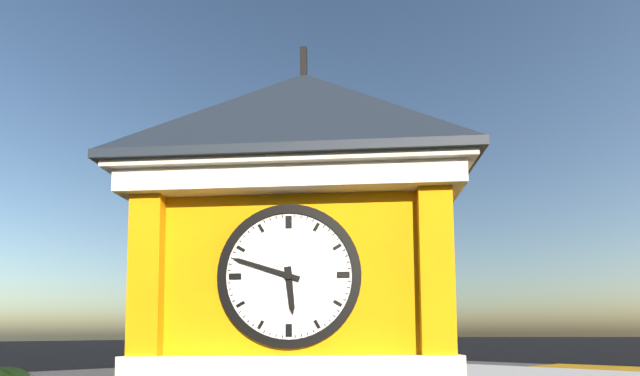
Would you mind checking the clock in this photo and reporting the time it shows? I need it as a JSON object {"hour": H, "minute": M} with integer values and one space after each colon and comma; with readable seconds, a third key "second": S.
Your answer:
{"hour": 5, "minute": 48}
